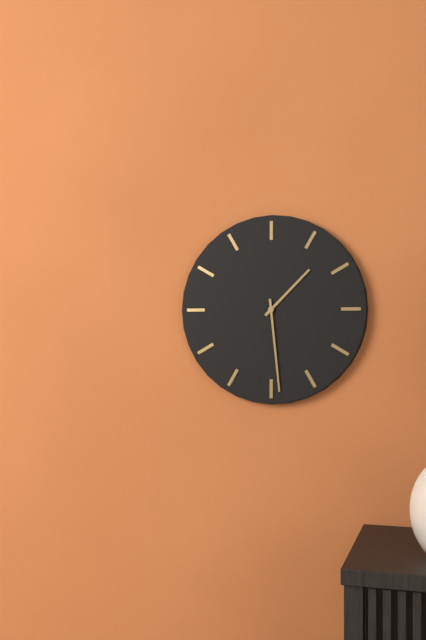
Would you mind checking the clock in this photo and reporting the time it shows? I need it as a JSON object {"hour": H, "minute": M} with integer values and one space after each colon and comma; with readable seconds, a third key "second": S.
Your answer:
{"hour": 1, "minute": 29}
